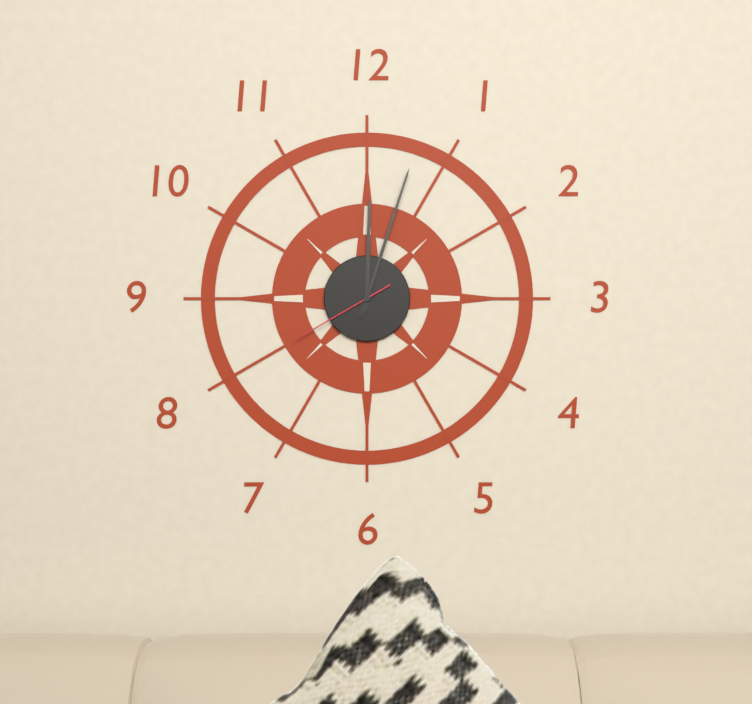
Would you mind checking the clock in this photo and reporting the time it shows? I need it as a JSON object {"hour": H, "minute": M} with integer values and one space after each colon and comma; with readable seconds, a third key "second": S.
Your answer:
{"hour": 12, "minute": 3, "second": 40}
